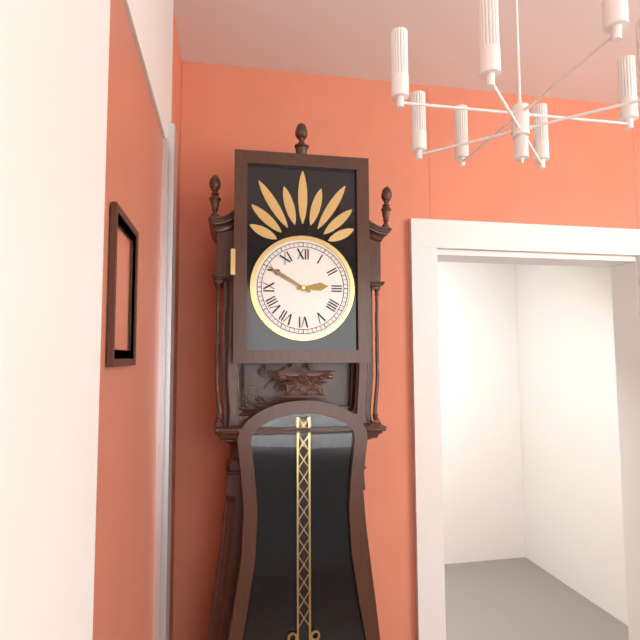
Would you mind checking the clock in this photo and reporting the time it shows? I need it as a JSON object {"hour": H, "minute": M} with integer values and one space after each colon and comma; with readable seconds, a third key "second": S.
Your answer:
{"hour": 2, "minute": 50}
